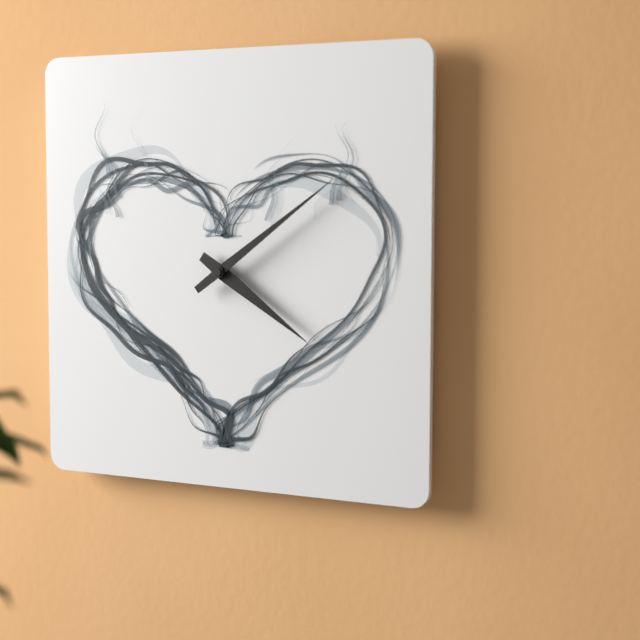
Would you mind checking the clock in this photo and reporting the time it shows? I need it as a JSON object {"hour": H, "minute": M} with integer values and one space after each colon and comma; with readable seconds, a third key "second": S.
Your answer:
{"hour": 4, "minute": 9}
